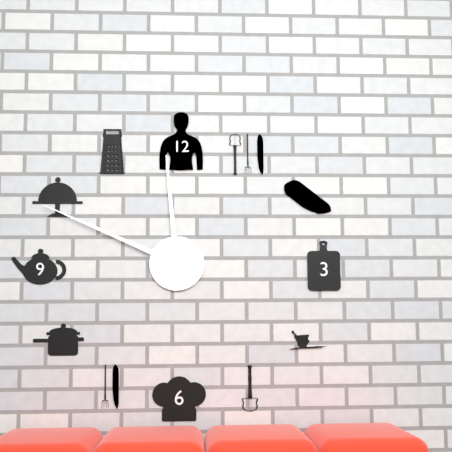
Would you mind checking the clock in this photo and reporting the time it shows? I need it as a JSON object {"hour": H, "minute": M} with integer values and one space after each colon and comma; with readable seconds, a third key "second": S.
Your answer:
{"hour": 11, "minute": 49}
